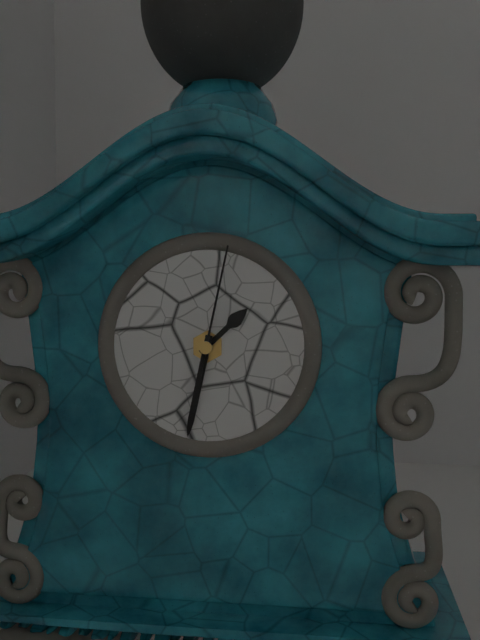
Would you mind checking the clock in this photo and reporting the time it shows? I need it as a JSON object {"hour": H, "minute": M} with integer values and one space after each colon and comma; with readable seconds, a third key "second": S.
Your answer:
{"hour": 1, "minute": 32, "second": 2}
